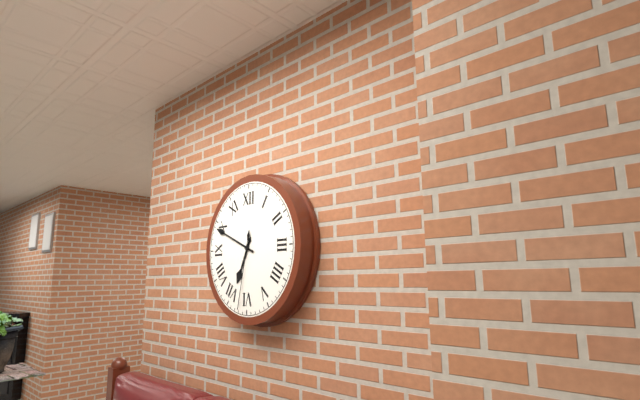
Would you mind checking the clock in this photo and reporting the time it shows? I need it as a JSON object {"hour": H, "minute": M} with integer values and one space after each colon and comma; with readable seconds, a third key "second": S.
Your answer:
{"hour": 6, "minute": 49, "second": 32}
